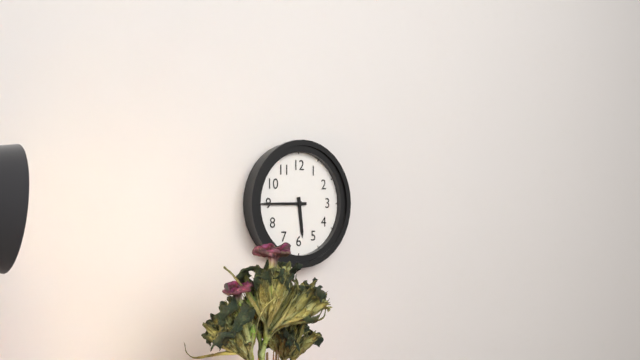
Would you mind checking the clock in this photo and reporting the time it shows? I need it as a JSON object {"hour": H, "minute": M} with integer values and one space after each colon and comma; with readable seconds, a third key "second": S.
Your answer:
{"hour": 5, "minute": 45}
